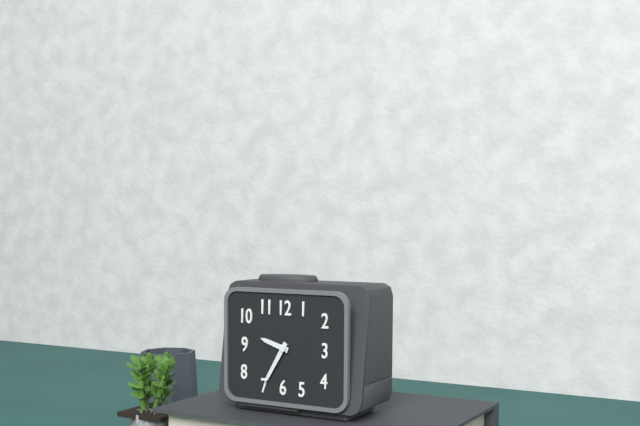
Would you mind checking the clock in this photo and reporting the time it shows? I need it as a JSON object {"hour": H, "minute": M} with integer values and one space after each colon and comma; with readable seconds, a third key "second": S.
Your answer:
{"hour": 9, "minute": 35}
